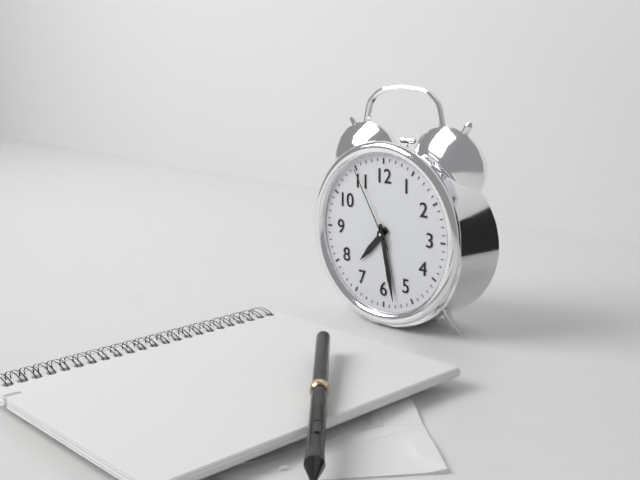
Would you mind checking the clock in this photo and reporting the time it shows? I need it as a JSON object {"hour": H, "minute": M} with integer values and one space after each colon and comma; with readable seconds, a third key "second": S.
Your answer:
{"hour": 7, "minute": 28, "second": 55}
